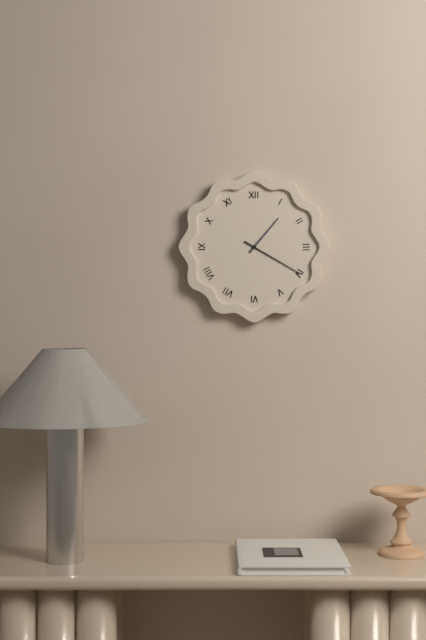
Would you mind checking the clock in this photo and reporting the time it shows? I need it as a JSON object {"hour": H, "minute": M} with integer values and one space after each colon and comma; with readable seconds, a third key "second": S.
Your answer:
{"hour": 1, "minute": 20}
